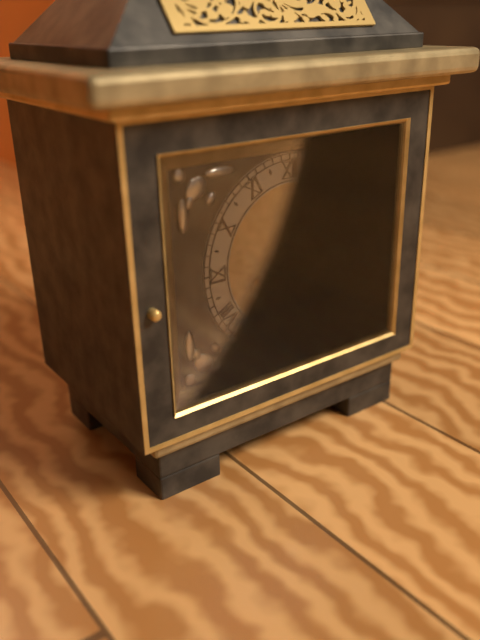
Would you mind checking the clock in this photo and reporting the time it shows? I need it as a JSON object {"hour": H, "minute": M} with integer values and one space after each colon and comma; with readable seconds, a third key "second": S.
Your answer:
{"hour": 8, "minute": 10}
